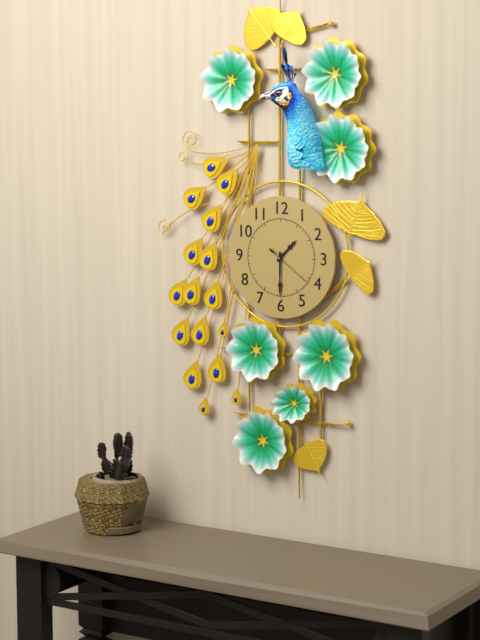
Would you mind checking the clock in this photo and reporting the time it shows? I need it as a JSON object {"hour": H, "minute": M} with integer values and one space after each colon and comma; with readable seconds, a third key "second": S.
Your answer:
{"hour": 1, "minute": 30}
